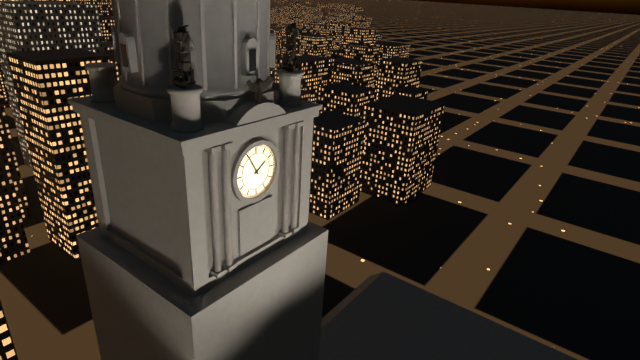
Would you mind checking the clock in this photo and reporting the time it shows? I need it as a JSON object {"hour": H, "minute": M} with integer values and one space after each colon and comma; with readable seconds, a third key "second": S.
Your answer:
{"hour": 1, "minute": 55}
